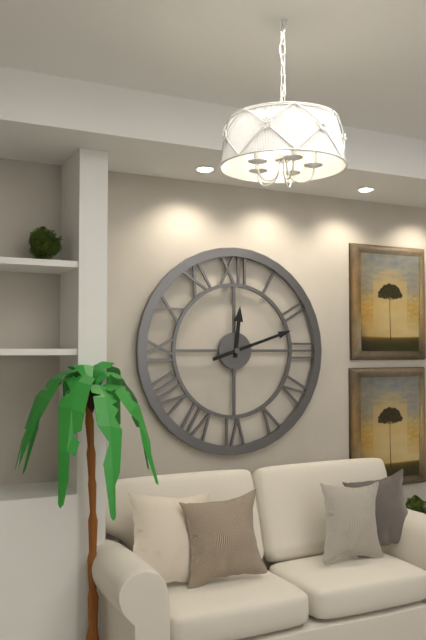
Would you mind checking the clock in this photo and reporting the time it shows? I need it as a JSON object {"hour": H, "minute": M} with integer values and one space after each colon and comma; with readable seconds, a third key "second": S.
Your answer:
{"hour": 12, "minute": 12}
